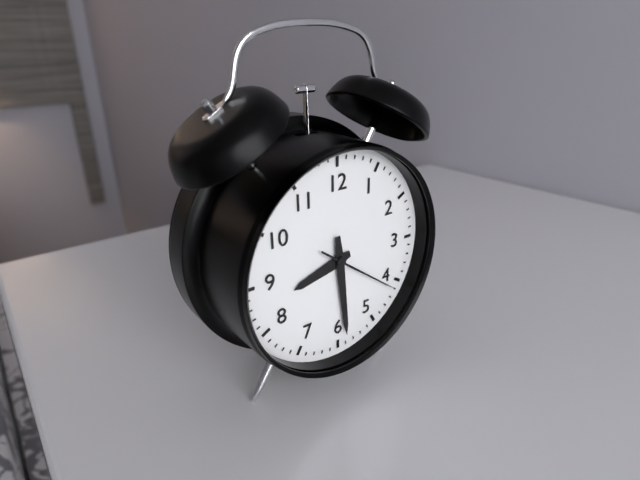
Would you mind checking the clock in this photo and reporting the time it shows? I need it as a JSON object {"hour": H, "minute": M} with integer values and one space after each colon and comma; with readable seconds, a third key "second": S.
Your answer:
{"hour": 8, "minute": 29, "second": 21}
